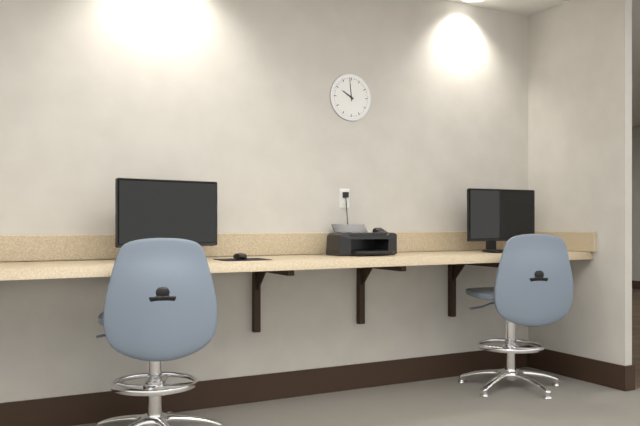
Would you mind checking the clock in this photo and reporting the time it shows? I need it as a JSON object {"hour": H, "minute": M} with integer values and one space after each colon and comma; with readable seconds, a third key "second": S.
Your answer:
{"hour": 9, "minute": 59}
